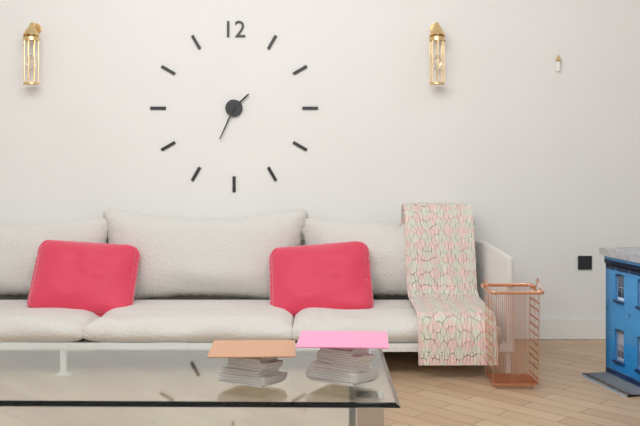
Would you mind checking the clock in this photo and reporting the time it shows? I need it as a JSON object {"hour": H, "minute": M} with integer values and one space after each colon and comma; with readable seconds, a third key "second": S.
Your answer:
{"hour": 1, "minute": 34}
